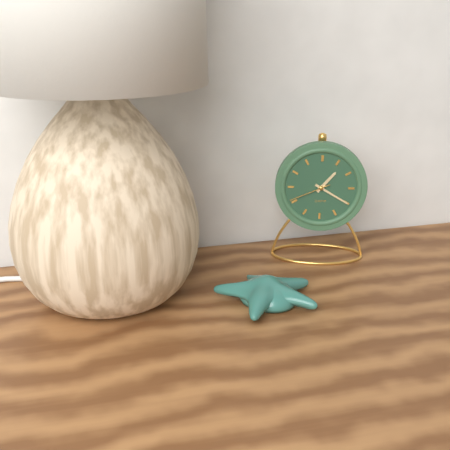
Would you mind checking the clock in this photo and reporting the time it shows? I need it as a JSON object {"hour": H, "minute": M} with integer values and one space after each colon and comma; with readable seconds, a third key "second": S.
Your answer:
{"hour": 1, "minute": 20}
